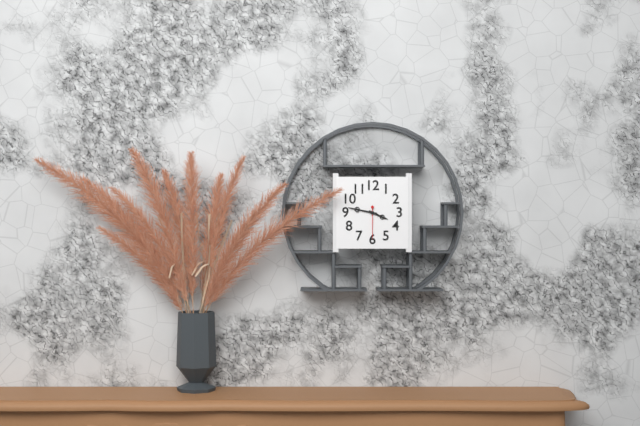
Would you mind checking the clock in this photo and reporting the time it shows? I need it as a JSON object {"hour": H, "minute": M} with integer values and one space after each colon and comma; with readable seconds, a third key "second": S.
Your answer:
{"hour": 3, "minute": 47}
